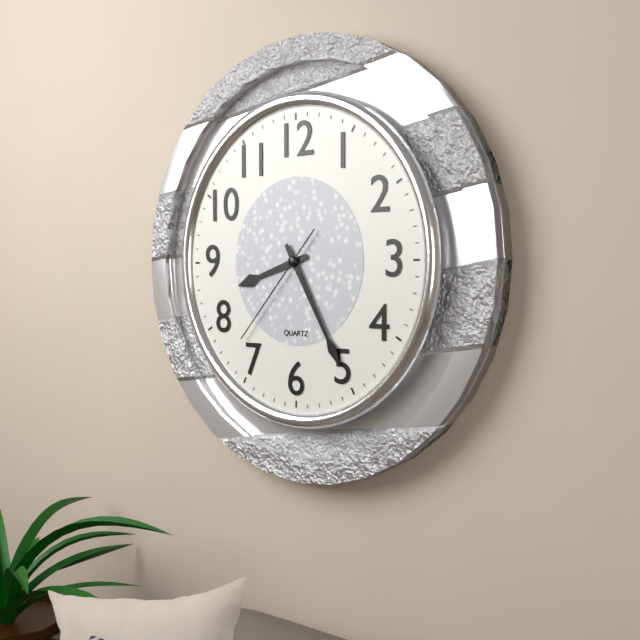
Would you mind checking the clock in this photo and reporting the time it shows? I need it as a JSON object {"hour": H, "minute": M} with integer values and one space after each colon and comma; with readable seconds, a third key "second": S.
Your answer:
{"hour": 8, "minute": 25, "second": 37}
